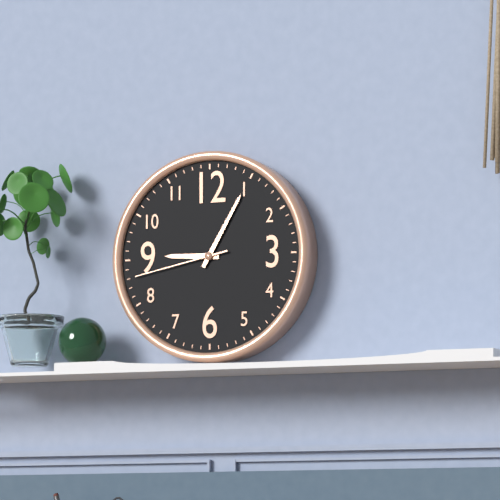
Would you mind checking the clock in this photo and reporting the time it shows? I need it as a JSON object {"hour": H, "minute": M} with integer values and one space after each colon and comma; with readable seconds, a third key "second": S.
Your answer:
{"hour": 9, "minute": 5, "second": 43}
